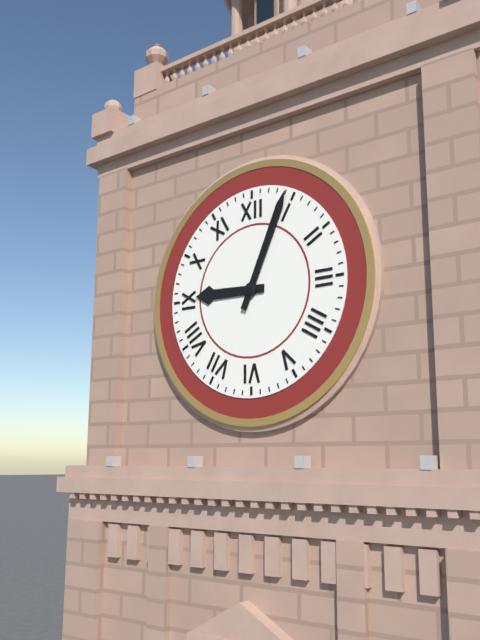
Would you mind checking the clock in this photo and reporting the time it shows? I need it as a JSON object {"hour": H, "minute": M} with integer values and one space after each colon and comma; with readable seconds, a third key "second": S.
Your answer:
{"hour": 9, "minute": 4}
